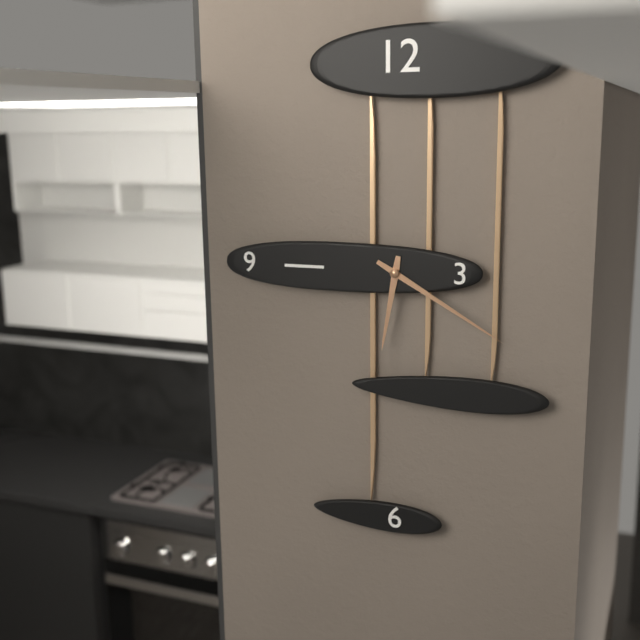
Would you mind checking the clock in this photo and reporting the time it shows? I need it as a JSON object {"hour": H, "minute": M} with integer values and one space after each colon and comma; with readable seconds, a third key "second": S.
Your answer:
{"hour": 6, "minute": 20}
